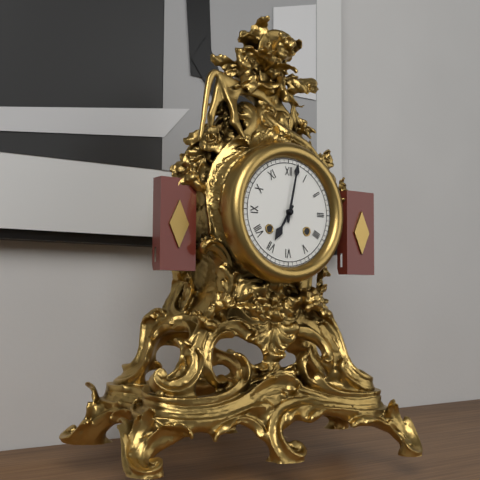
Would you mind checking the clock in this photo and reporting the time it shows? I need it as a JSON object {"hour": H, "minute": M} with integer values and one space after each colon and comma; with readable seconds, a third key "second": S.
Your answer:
{"hour": 7, "minute": 2}
